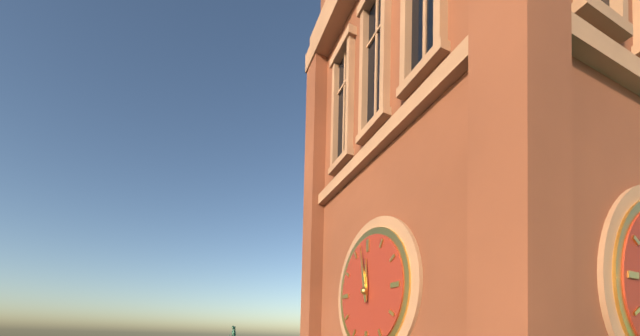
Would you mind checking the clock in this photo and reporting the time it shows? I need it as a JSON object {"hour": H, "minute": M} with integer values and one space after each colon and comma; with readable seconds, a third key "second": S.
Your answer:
{"hour": 11, "minute": 58}
